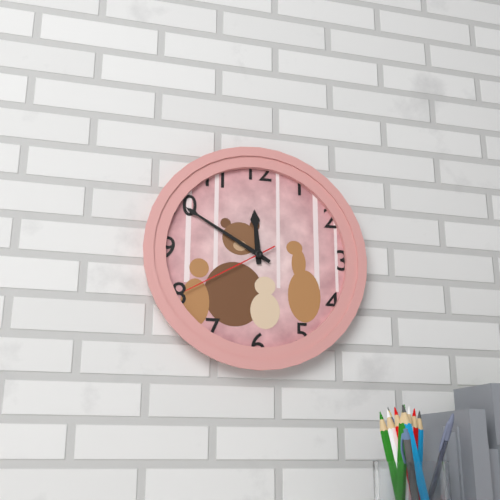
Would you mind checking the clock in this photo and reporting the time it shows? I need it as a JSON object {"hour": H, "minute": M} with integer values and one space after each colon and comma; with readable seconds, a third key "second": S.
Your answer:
{"hour": 11, "minute": 50, "second": 40}
